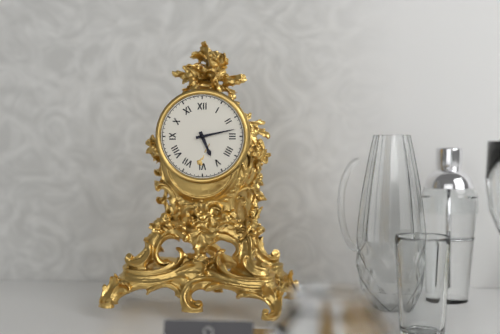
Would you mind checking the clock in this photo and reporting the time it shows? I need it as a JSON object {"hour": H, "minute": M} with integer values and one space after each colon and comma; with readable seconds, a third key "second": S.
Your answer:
{"hour": 5, "minute": 13}
